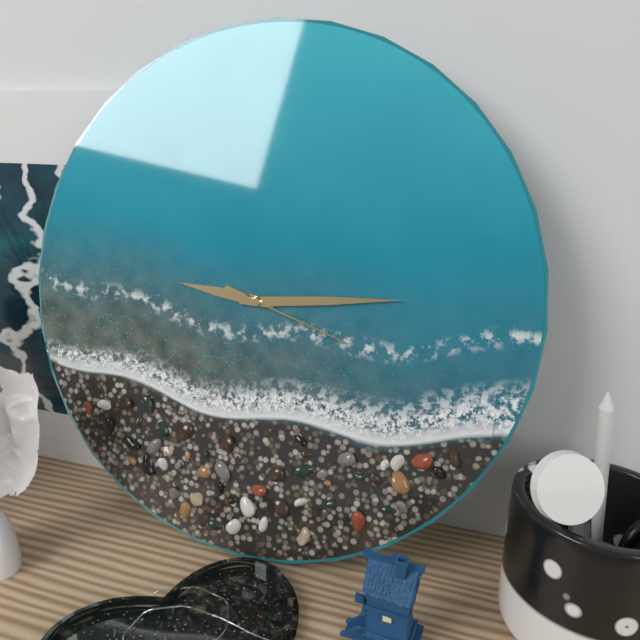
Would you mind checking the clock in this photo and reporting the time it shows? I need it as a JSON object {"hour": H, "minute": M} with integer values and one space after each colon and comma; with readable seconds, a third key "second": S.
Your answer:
{"hour": 9, "minute": 14, "second": 18}
